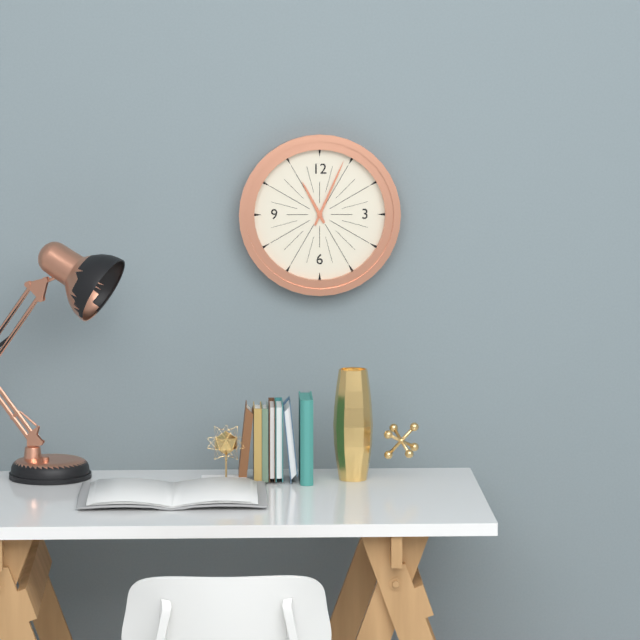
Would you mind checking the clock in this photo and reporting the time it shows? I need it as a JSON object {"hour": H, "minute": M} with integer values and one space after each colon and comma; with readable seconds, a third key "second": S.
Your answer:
{"hour": 11, "minute": 4}
